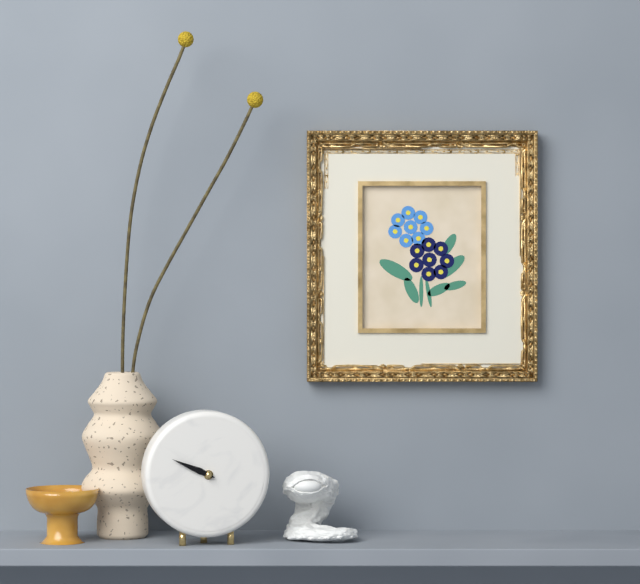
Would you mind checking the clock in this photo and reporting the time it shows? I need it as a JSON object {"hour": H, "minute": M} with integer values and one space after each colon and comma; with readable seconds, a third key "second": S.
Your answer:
{"hour": 9, "minute": 49}
